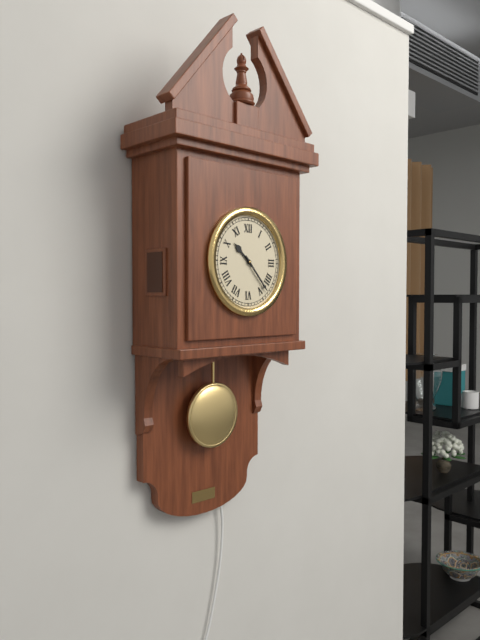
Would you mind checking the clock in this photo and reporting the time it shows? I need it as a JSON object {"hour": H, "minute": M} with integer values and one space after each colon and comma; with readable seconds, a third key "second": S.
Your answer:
{"hour": 10, "minute": 23}
